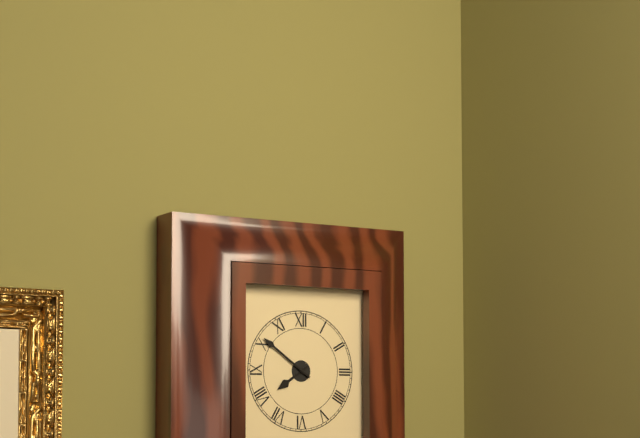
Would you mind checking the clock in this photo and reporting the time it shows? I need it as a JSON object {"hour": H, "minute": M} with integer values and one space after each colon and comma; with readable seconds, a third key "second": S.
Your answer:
{"hour": 7, "minute": 51}
